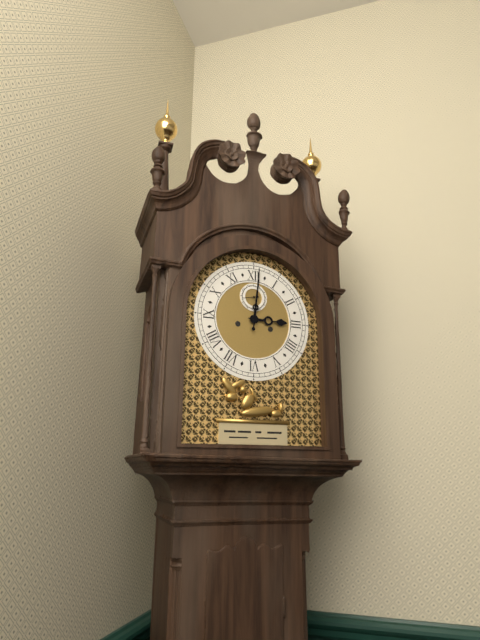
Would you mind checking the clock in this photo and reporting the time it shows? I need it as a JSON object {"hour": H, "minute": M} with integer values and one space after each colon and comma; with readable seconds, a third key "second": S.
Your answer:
{"hour": 3, "minute": 1}
